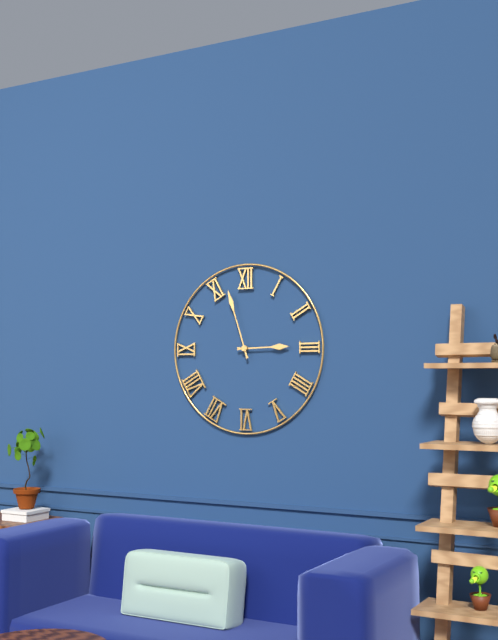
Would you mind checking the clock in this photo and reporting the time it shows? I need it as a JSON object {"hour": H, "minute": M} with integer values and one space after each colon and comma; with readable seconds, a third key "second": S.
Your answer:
{"hour": 2, "minute": 57}
